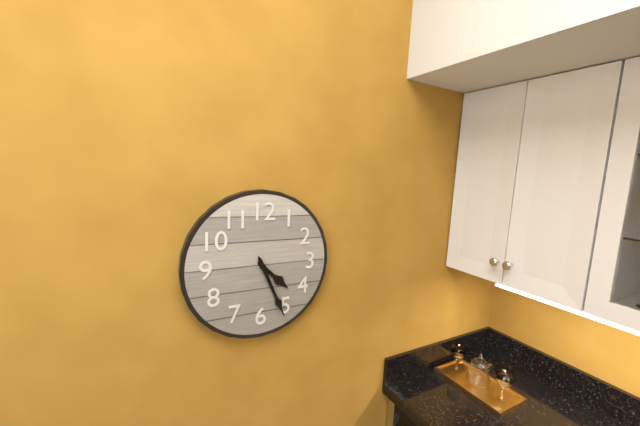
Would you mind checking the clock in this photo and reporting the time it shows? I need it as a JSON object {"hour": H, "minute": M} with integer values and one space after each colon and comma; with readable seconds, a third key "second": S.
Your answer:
{"hour": 4, "minute": 26}
